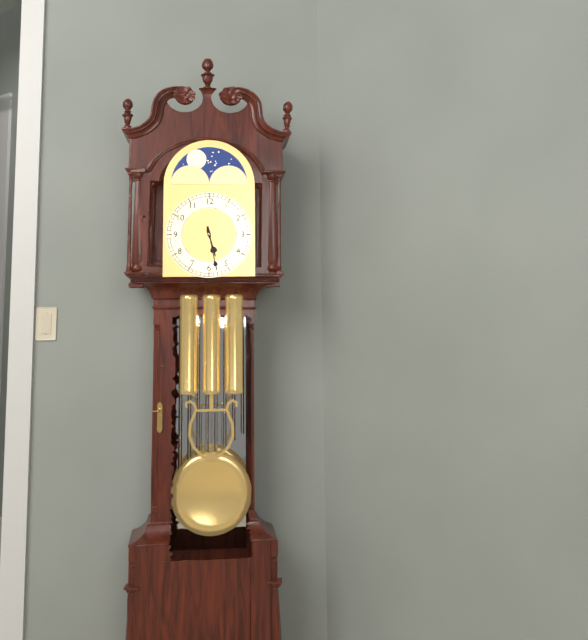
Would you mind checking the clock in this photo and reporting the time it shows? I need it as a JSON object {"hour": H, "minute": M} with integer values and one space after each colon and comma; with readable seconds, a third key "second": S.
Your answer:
{"hour": 5, "minute": 28}
